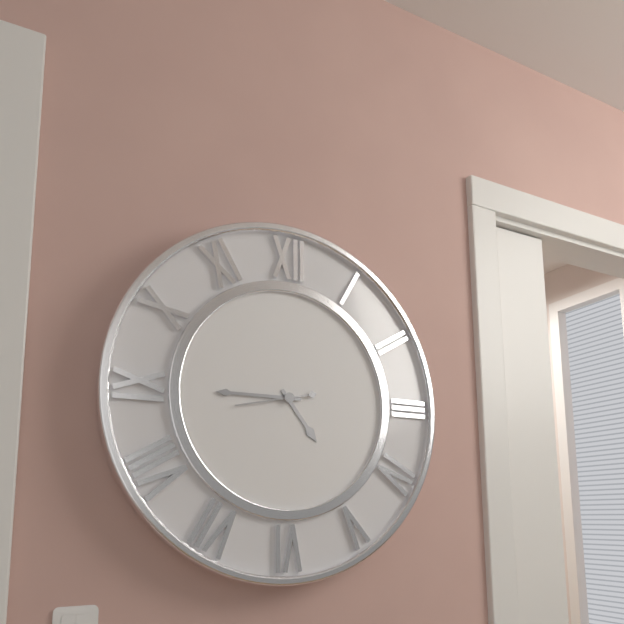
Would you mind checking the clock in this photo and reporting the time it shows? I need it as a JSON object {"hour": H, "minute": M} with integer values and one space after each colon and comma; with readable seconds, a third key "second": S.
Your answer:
{"hour": 4, "minute": 45, "second": 43}
